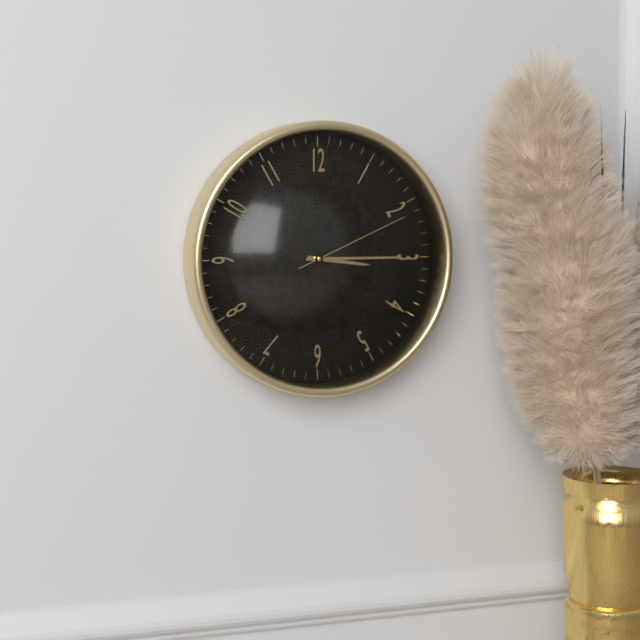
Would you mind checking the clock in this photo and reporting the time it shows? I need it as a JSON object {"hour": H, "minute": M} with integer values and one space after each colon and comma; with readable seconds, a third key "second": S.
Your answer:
{"hour": 3, "minute": 15, "second": 11}
